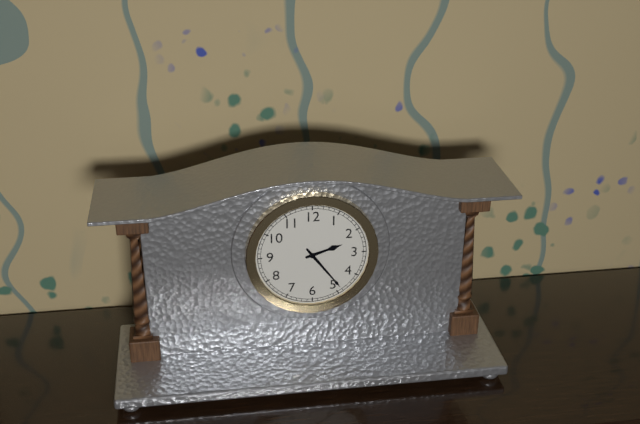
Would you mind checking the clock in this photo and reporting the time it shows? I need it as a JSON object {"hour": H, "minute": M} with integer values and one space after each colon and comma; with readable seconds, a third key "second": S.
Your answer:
{"hour": 2, "minute": 24}
